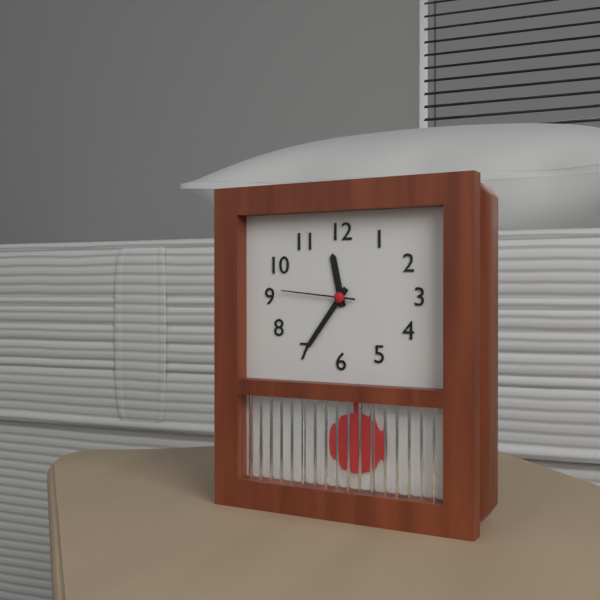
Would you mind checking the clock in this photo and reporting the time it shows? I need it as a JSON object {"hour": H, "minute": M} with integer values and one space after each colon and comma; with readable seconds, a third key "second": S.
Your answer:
{"hour": 11, "minute": 36, "second": 46}
